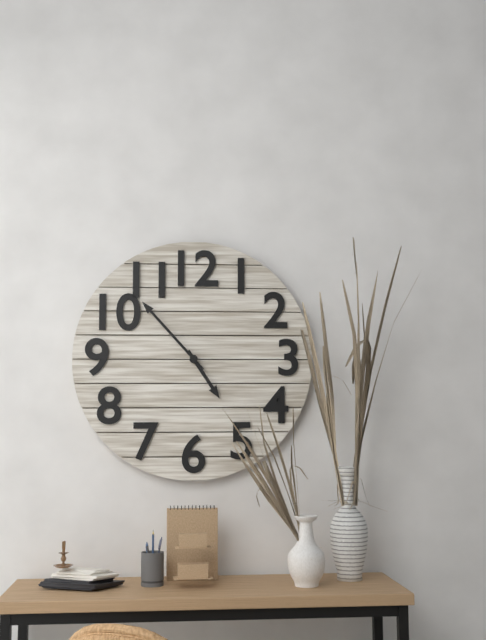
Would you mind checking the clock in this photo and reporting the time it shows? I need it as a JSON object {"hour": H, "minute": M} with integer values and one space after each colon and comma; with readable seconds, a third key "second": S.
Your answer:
{"hour": 4, "minute": 53}
